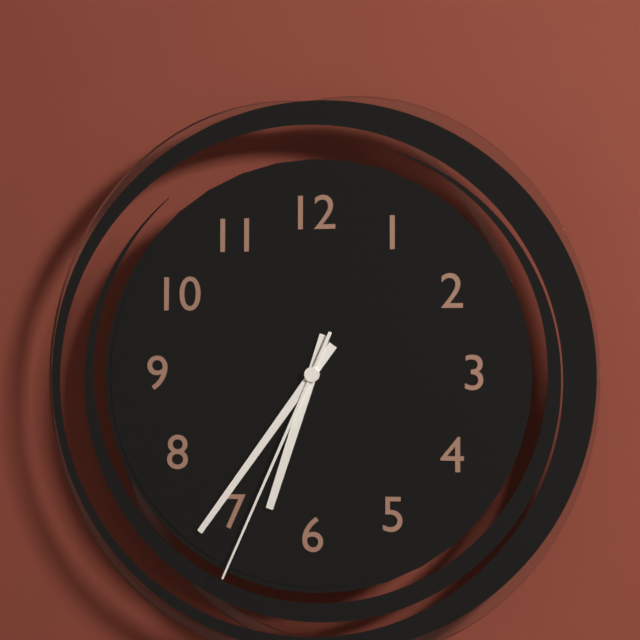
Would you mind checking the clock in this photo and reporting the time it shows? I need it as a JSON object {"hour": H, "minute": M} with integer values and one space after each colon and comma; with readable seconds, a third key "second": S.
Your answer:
{"hour": 6, "minute": 36, "second": 34}
